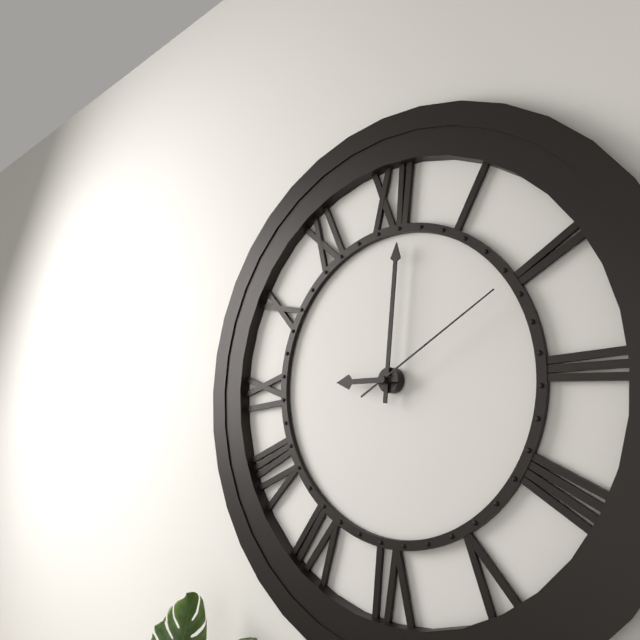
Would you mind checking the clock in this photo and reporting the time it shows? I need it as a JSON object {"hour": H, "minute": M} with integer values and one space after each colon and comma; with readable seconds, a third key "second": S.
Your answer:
{"hour": 9, "minute": 1, "second": 10}
